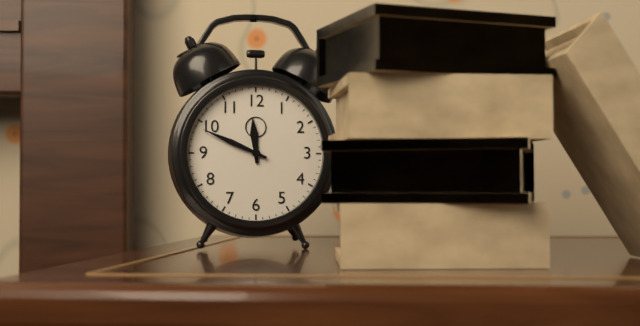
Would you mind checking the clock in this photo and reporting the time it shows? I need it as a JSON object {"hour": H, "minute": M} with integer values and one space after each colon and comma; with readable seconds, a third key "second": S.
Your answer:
{"hour": 11, "minute": 49}
